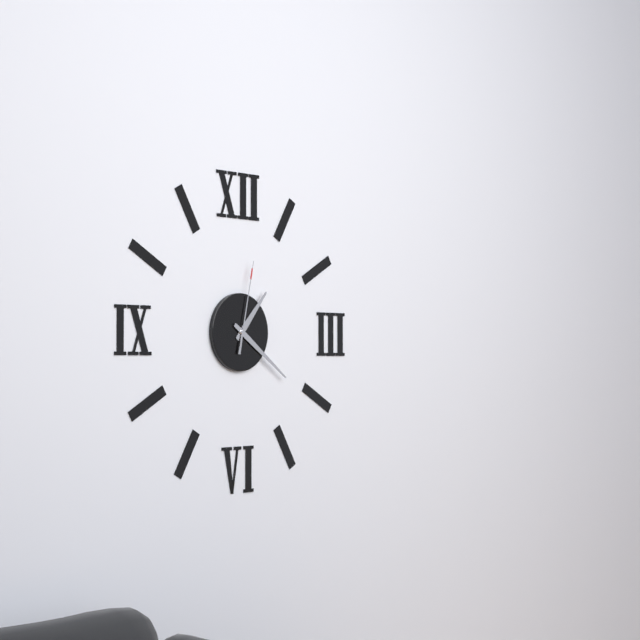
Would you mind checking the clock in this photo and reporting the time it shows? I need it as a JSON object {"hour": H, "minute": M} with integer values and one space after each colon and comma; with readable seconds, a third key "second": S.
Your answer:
{"hour": 1, "minute": 21, "second": 2}
